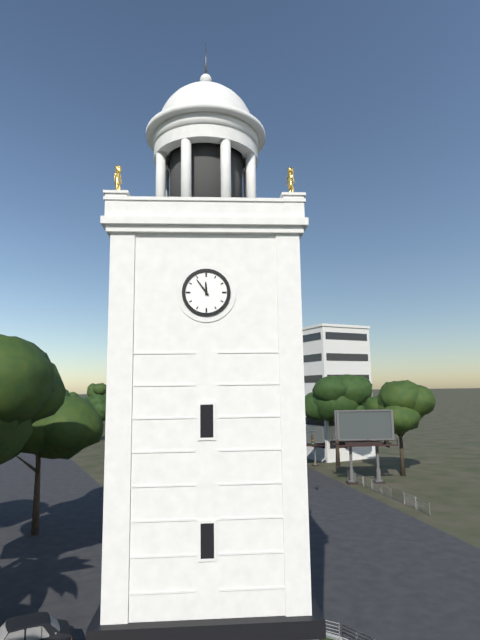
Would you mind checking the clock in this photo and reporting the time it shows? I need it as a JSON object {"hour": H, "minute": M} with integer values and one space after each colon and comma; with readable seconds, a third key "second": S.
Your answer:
{"hour": 11, "minute": 54}
